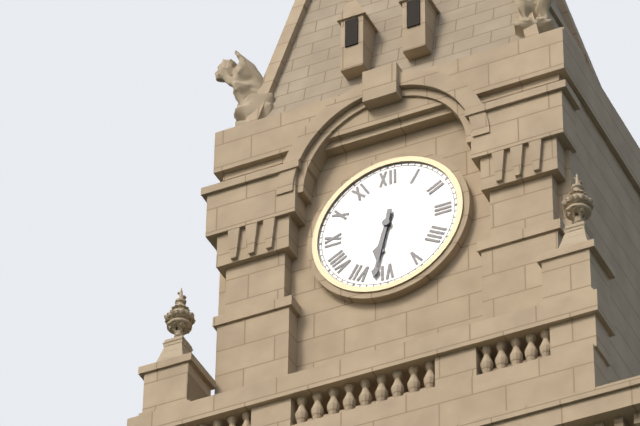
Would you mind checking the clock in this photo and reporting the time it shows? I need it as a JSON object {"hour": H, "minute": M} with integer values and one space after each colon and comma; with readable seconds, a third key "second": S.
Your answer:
{"hour": 6, "minute": 32}
